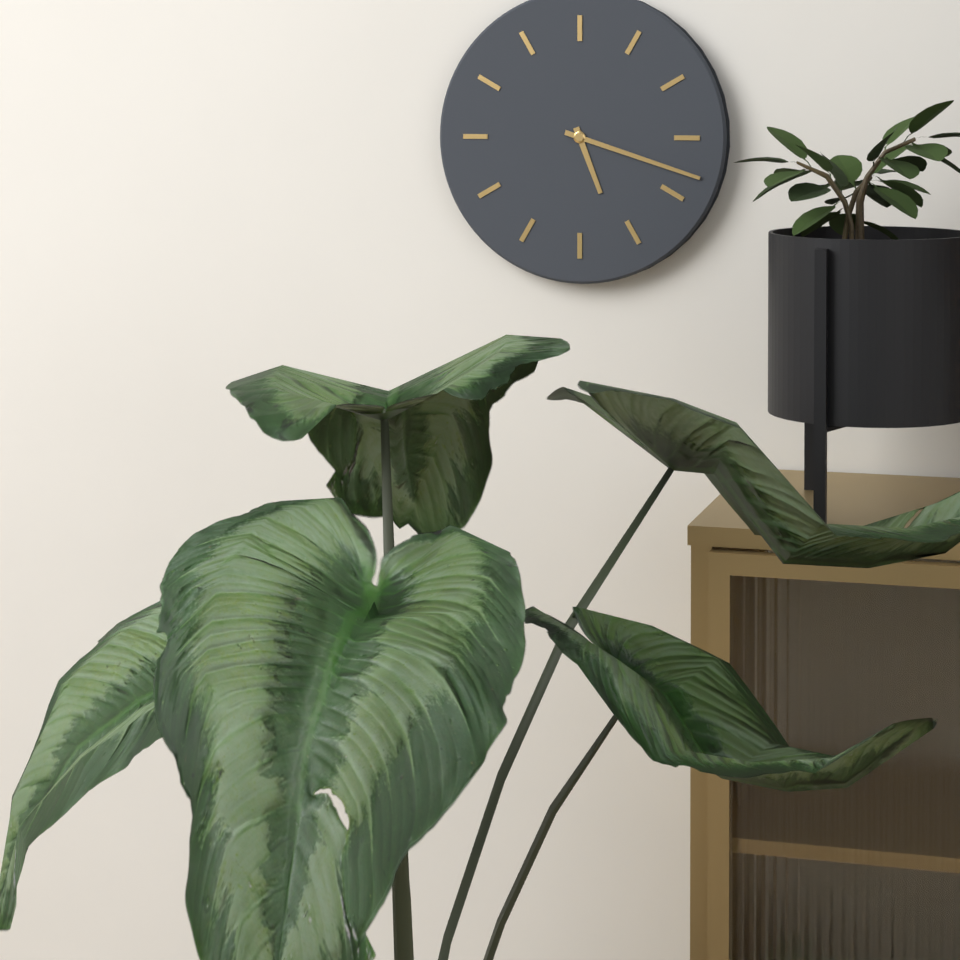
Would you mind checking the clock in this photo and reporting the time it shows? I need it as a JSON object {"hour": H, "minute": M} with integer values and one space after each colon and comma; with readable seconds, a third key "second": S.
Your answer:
{"hour": 5, "minute": 18}
